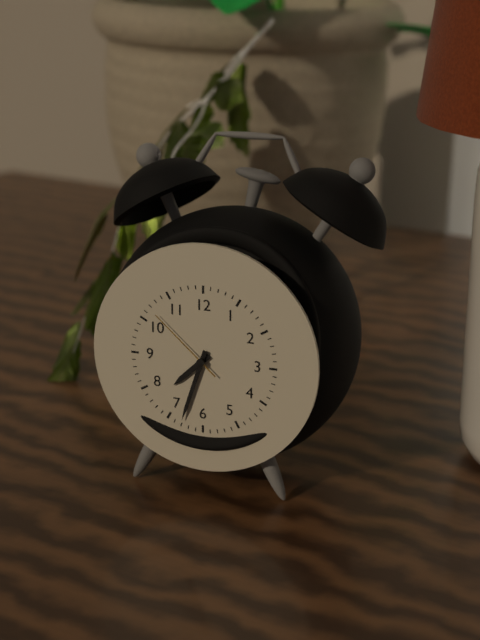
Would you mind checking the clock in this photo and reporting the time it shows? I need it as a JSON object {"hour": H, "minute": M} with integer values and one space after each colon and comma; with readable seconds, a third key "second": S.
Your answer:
{"hour": 7, "minute": 33, "second": 52}
